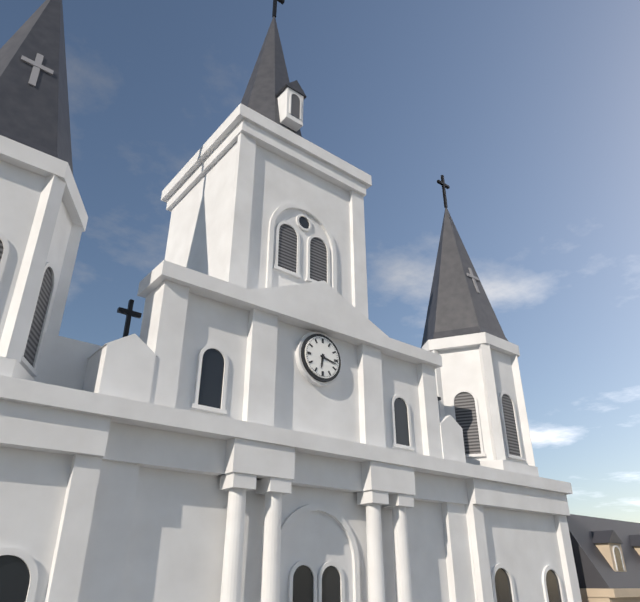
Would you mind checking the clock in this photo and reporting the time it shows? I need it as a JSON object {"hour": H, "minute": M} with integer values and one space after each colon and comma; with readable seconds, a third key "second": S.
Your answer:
{"hour": 6, "minute": 17}
